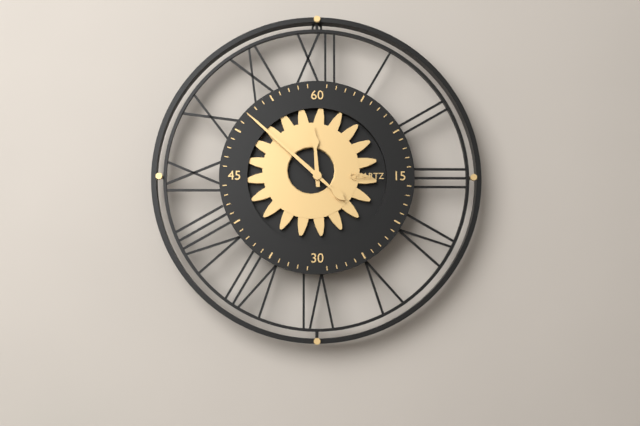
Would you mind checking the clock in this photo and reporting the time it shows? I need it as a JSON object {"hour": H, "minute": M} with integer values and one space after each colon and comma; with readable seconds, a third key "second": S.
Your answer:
{"hour": 11, "minute": 52}
